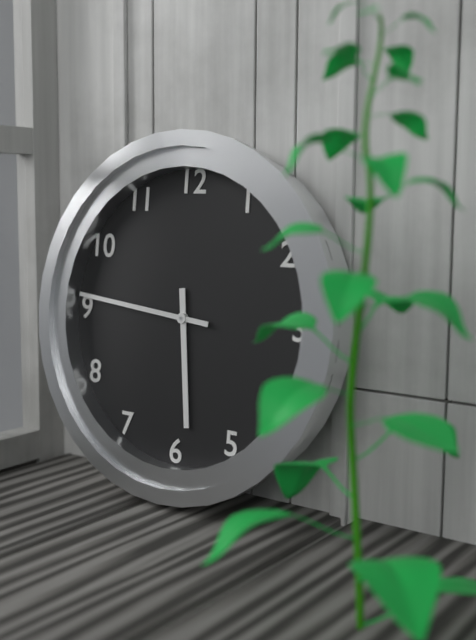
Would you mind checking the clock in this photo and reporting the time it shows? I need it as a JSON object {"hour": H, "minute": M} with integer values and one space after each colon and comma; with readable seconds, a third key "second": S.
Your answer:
{"hour": 5, "minute": 46}
